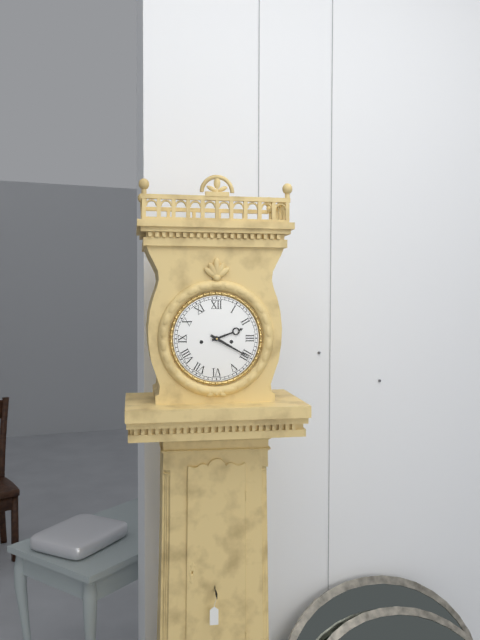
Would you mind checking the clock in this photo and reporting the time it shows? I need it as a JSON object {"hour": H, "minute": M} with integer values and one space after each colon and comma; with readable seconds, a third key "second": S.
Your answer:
{"hour": 2, "minute": 20}
